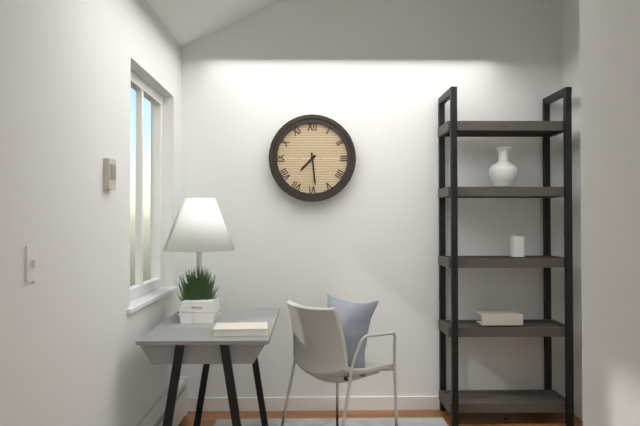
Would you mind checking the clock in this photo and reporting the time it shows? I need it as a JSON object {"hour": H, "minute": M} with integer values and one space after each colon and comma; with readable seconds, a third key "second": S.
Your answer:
{"hour": 7, "minute": 29}
